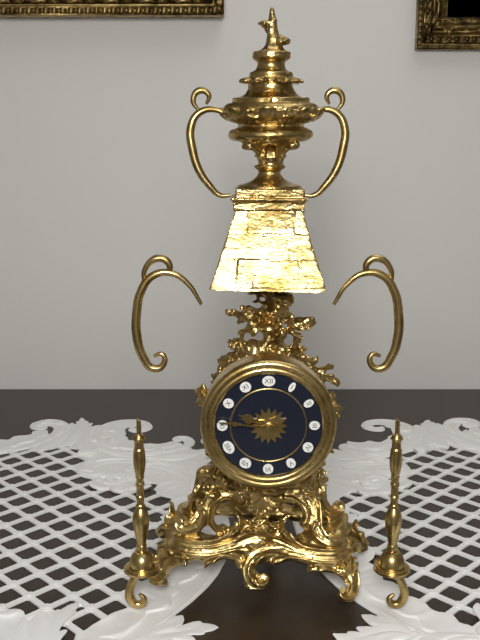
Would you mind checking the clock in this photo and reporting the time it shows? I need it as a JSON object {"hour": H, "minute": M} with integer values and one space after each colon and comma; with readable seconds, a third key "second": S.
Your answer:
{"hour": 9, "minute": 46}
